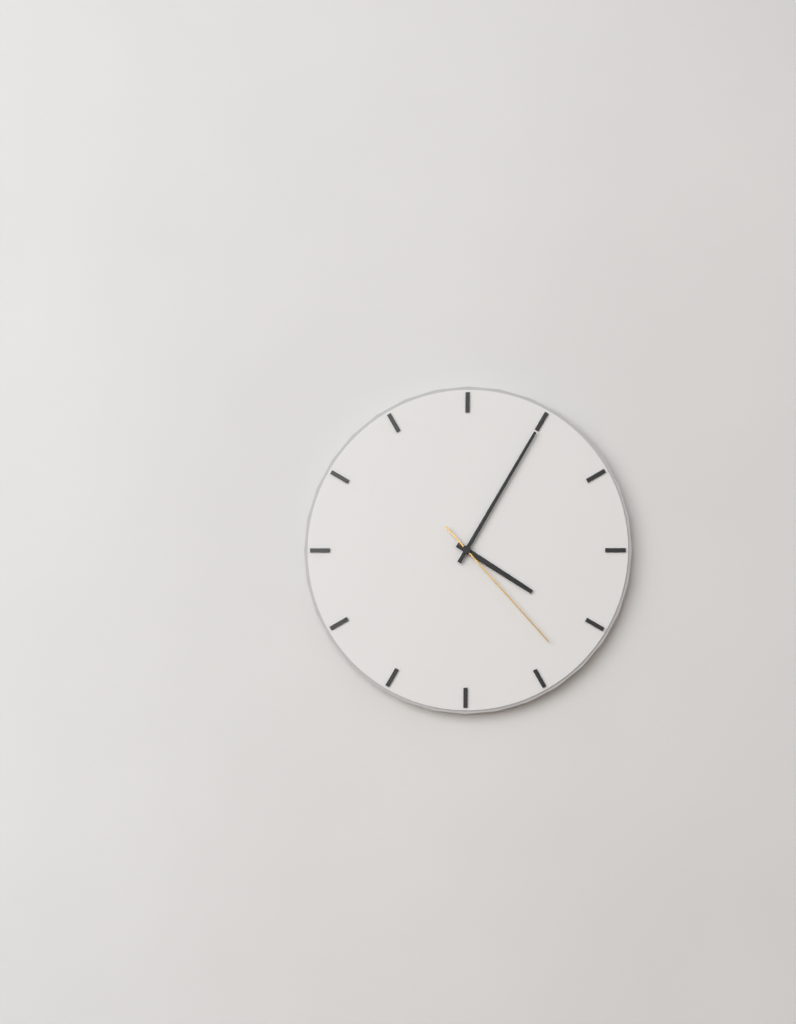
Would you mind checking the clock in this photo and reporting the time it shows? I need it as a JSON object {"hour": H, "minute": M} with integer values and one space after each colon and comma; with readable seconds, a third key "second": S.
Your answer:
{"hour": 4, "minute": 5, "second": 23}
